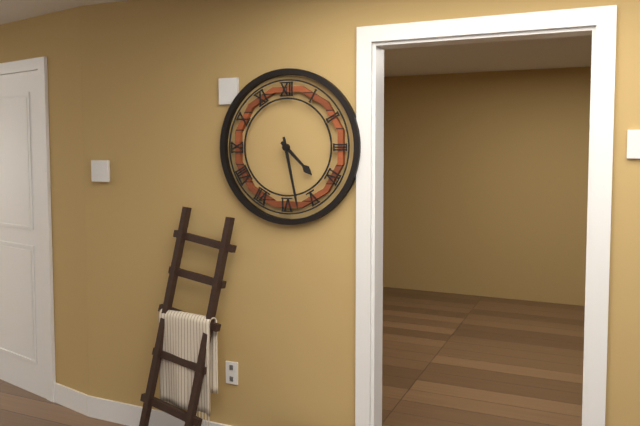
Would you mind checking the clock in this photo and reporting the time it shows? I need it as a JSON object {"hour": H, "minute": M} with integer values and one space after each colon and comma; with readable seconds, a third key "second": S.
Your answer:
{"hour": 4, "minute": 28}
